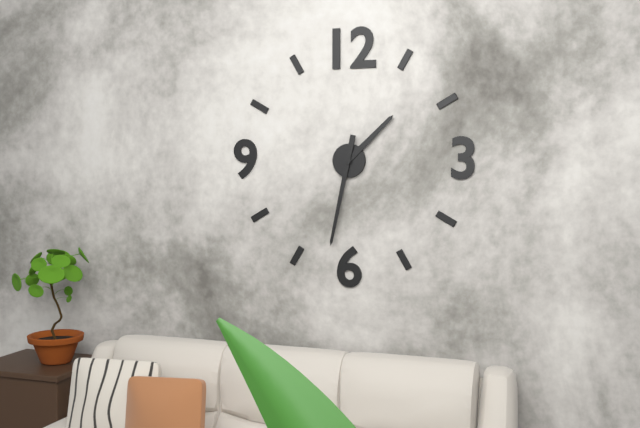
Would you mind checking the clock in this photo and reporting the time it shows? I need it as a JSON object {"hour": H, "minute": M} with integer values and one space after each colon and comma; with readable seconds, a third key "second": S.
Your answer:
{"hour": 1, "minute": 32}
